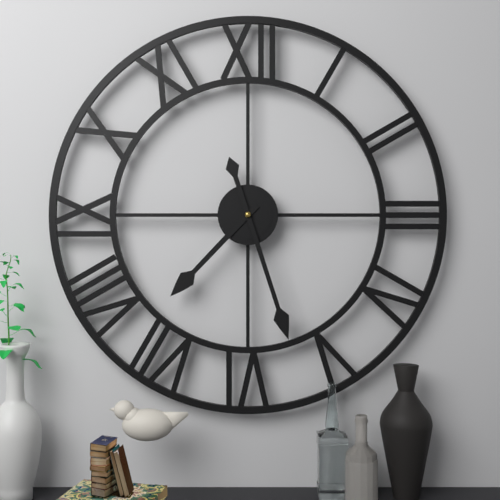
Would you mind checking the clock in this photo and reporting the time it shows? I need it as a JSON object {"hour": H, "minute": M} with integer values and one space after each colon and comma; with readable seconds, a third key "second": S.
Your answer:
{"hour": 7, "minute": 27}
